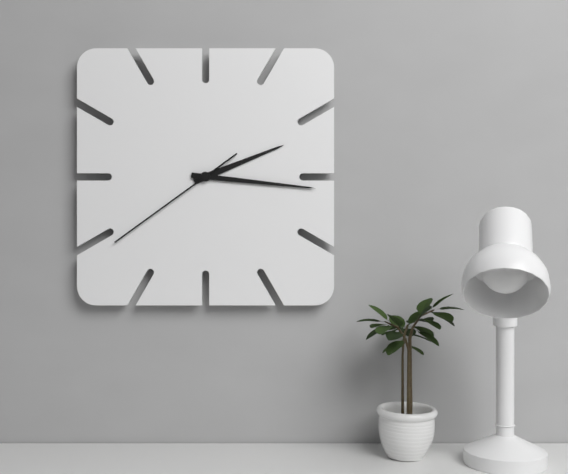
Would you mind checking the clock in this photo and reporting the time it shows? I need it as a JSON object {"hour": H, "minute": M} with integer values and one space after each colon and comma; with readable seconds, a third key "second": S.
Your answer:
{"hour": 2, "minute": 16, "second": 39}
